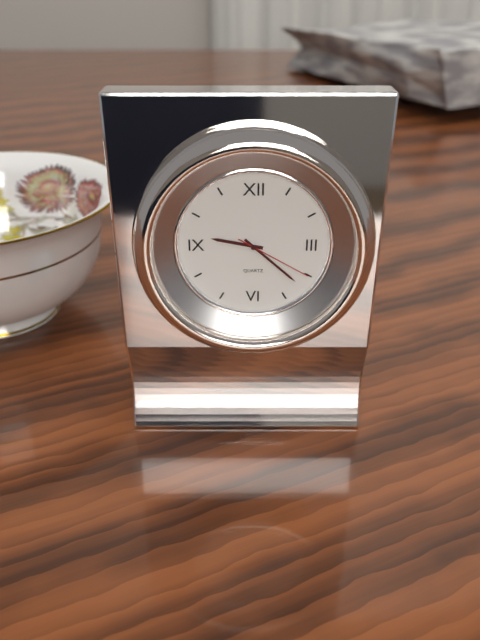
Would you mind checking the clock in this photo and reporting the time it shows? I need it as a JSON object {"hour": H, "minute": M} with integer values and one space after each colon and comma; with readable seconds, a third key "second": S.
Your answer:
{"hour": 9, "minute": 22, "second": 20}
